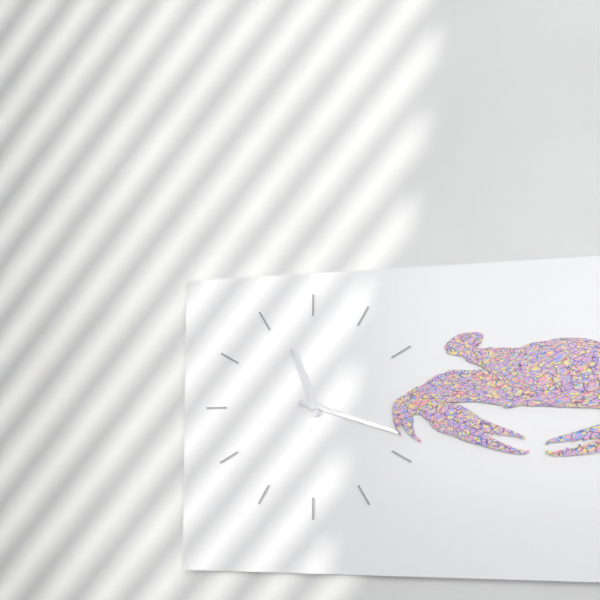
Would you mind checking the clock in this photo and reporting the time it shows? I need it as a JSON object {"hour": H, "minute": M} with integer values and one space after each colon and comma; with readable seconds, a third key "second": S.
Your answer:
{"hour": 11, "minute": 18}
